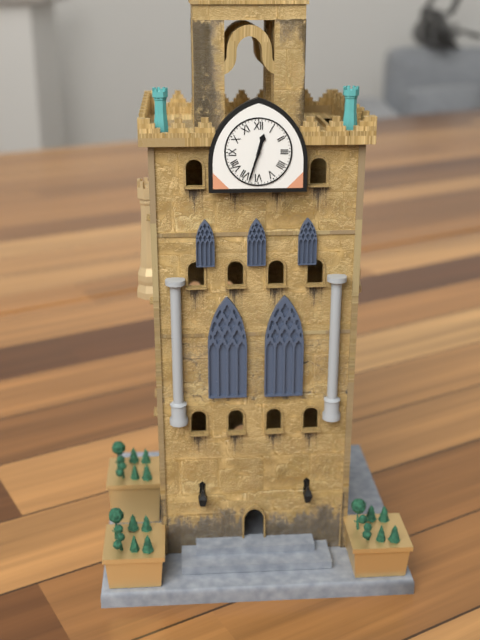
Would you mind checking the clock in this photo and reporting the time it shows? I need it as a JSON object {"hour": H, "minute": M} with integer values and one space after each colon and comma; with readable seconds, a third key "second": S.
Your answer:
{"hour": 12, "minute": 33}
